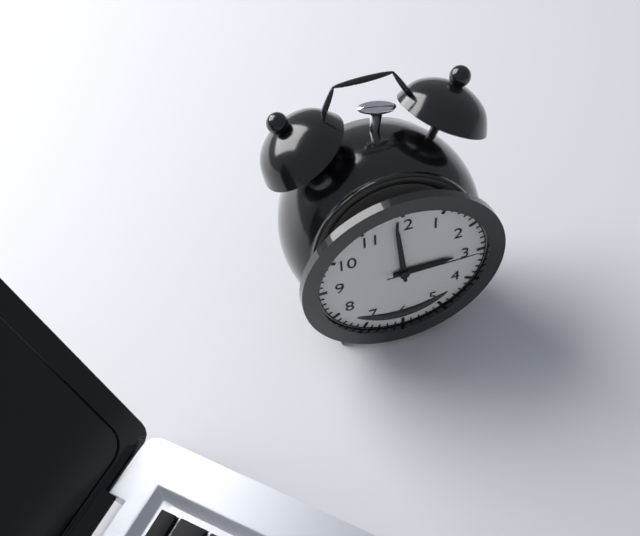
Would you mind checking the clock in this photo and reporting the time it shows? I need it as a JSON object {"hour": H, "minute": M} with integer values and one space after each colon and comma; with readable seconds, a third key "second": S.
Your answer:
{"hour": 2, "minute": 59, "second": 15}
